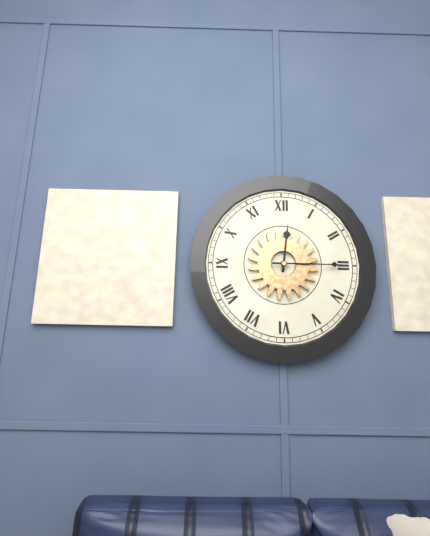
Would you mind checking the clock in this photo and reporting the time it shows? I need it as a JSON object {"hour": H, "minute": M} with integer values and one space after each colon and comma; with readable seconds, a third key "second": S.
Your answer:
{"hour": 12, "minute": 15}
